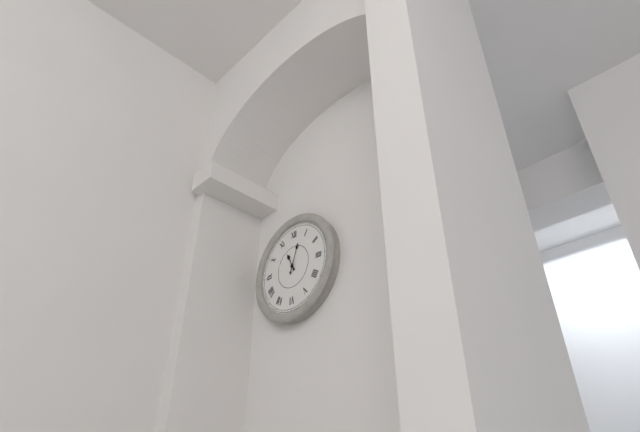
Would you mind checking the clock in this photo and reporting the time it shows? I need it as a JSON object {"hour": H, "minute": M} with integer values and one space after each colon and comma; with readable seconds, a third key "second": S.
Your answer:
{"hour": 11, "minute": 3}
